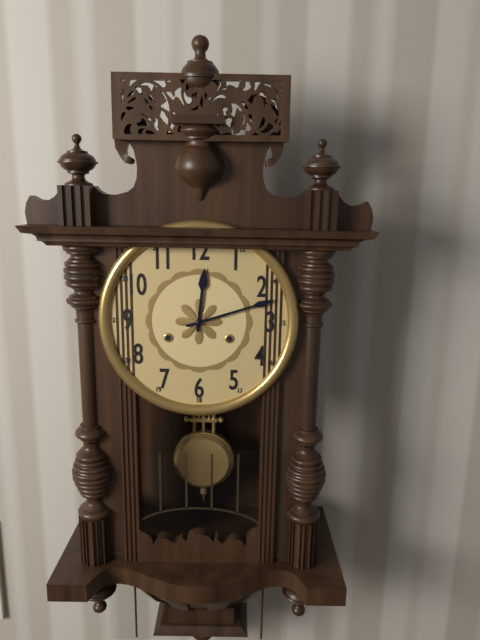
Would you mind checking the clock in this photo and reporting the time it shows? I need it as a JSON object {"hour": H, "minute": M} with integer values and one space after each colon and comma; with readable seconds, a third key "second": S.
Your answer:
{"hour": 12, "minute": 12}
